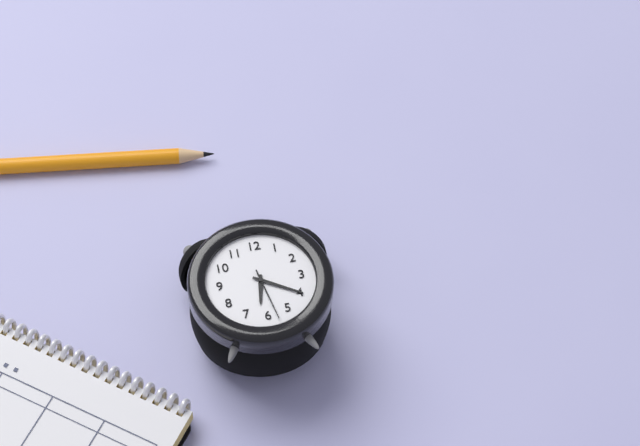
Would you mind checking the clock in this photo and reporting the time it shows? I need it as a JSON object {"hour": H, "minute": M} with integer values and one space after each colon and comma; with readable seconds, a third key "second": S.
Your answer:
{"hour": 6, "minute": 20, "second": 28}
